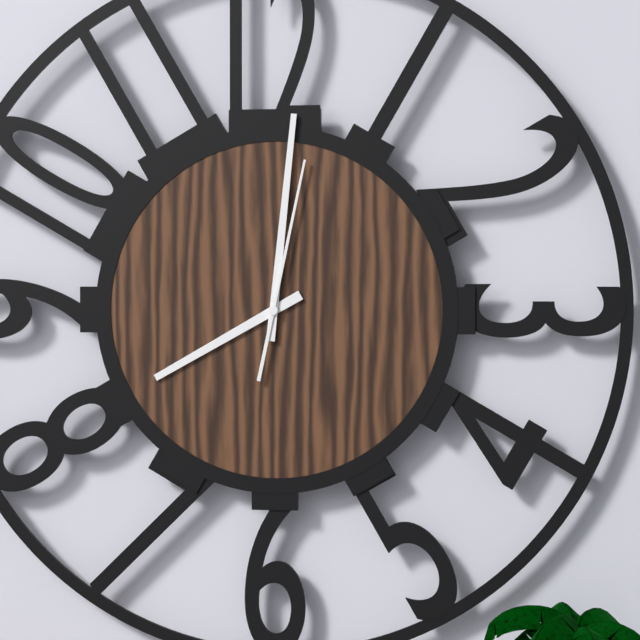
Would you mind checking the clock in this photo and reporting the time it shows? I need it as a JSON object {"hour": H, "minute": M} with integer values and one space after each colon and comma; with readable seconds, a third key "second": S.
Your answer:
{"hour": 8, "minute": 1, "second": 2}
